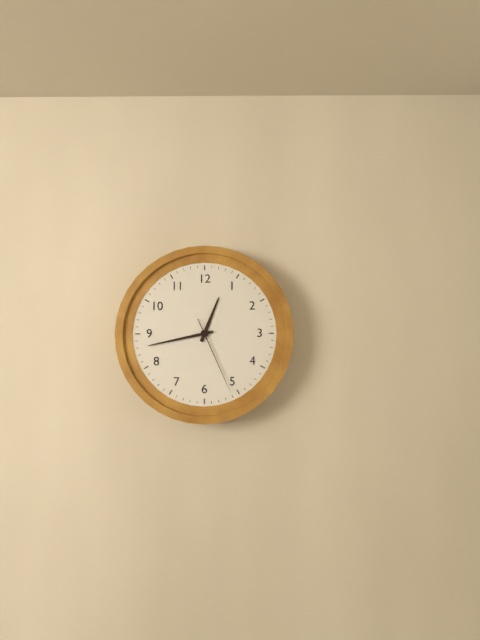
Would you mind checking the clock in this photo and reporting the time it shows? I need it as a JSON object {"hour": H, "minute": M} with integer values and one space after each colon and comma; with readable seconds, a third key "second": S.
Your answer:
{"hour": 12, "minute": 43, "second": 26}
